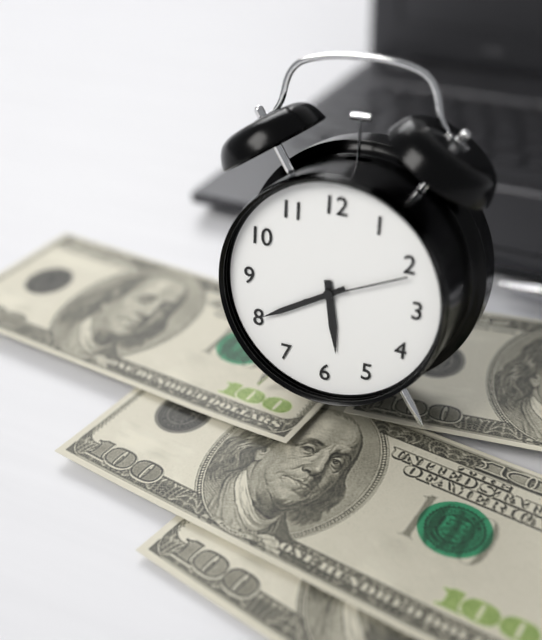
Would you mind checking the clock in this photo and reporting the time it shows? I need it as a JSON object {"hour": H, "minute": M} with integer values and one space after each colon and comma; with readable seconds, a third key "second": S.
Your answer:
{"hour": 5, "minute": 40, "second": 11}
